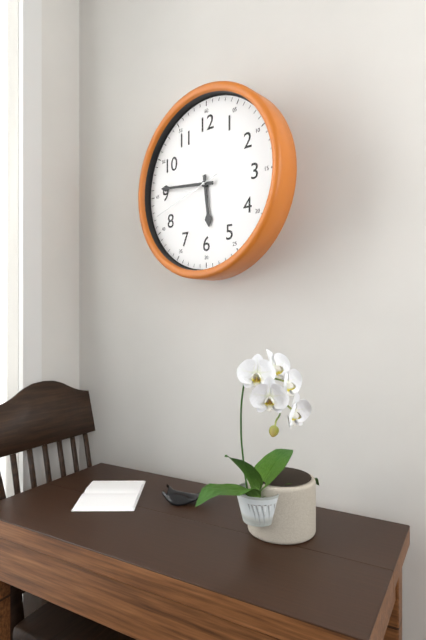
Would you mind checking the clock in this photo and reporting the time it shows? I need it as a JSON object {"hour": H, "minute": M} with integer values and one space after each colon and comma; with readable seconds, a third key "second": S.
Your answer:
{"hour": 5, "minute": 46, "second": 42}
